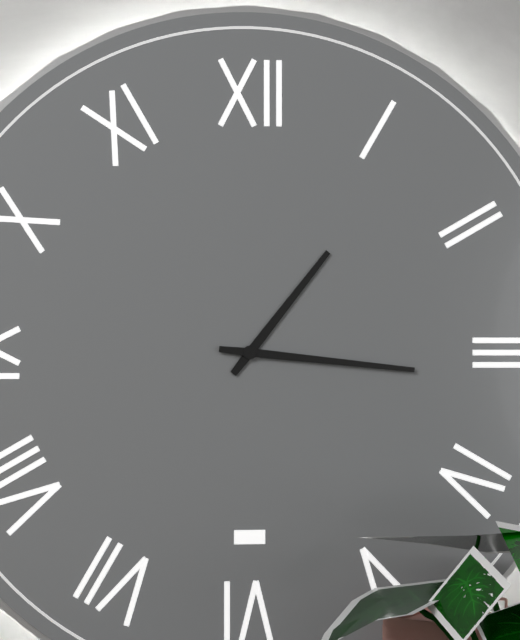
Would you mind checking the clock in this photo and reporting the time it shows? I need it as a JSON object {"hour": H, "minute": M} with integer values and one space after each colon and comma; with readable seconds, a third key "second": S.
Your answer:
{"hour": 1, "minute": 16}
